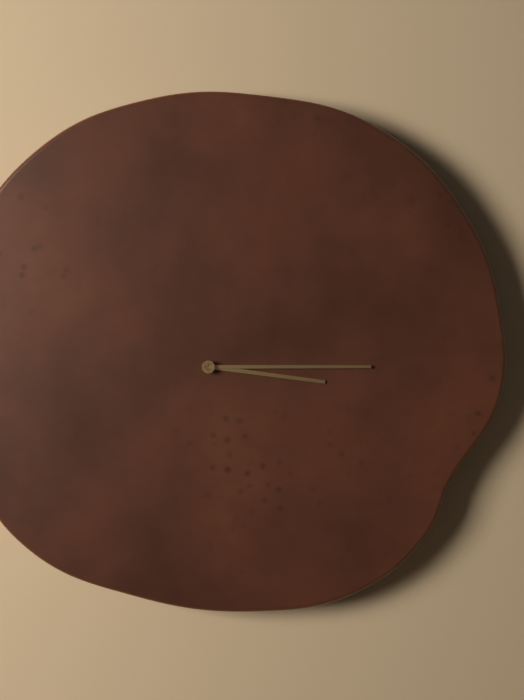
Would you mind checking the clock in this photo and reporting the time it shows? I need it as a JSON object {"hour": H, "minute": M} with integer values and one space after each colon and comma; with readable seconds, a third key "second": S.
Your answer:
{"hour": 3, "minute": 15}
